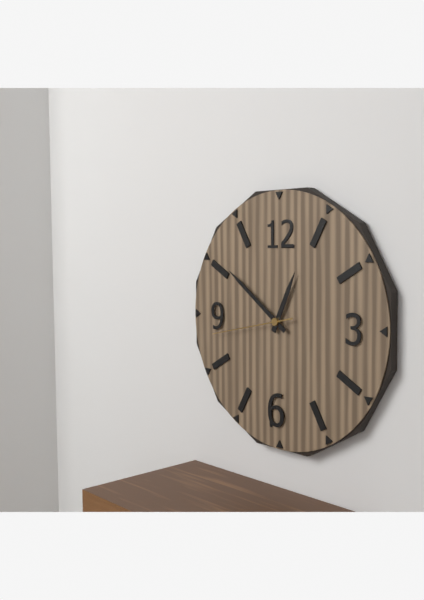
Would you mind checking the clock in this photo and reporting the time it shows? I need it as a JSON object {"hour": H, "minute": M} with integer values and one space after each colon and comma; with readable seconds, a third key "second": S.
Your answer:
{"hour": 12, "minute": 51, "second": 43}
